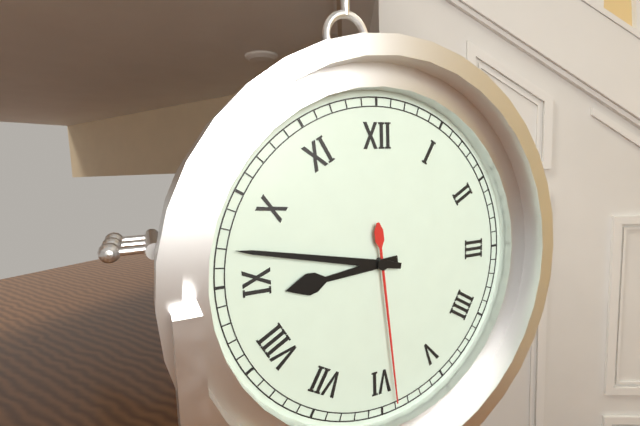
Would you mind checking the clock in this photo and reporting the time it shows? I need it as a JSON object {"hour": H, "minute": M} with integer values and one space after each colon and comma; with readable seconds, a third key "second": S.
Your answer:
{"hour": 8, "minute": 47, "second": 29}
